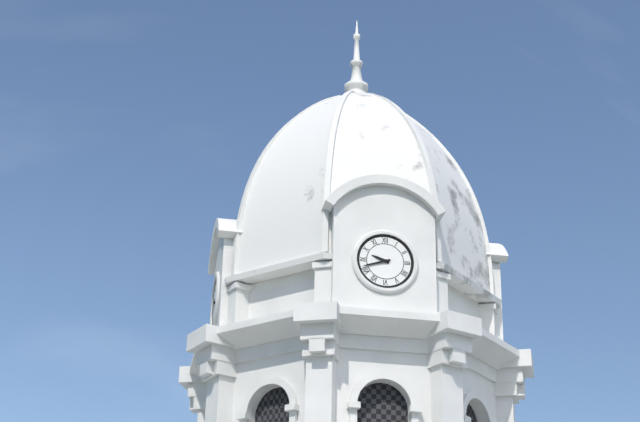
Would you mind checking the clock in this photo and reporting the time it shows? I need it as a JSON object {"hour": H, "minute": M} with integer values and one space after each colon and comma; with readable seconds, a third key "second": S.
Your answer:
{"hour": 9, "minute": 42}
